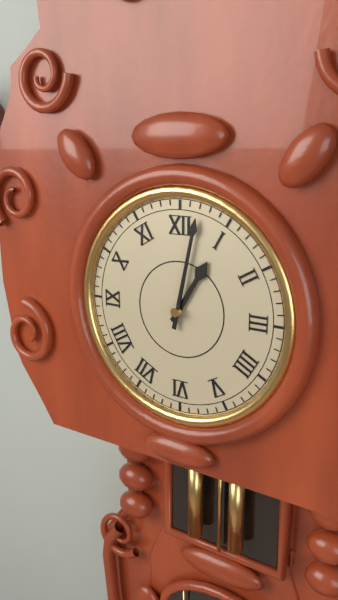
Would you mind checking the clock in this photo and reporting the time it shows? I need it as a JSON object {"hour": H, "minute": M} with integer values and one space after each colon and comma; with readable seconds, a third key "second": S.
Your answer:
{"hour": 1, "minute": 2}
